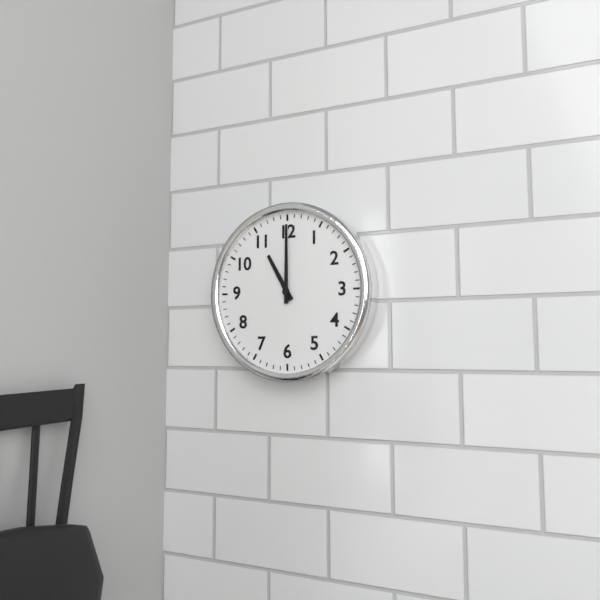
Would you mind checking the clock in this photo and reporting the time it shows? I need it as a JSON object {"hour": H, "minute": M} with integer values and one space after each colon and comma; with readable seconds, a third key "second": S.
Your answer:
{"hour": 11, "minute": 0}
